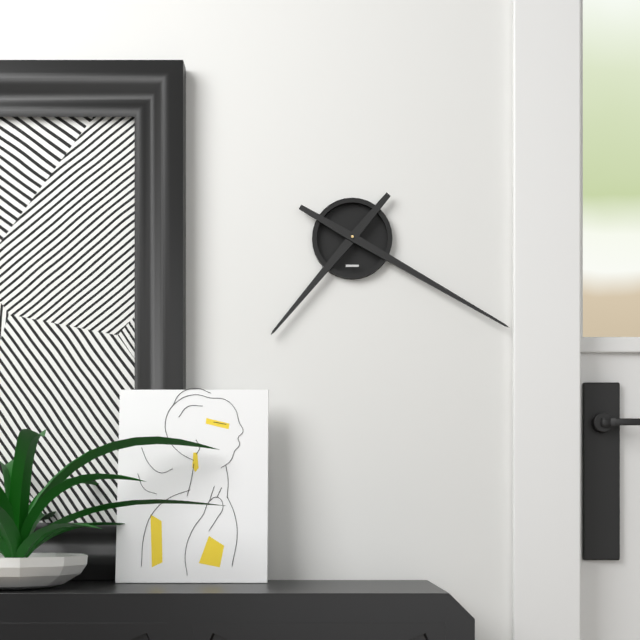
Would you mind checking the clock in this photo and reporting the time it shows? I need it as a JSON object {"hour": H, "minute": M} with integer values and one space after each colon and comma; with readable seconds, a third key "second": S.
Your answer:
{"hour": 7, "minute": 20}
